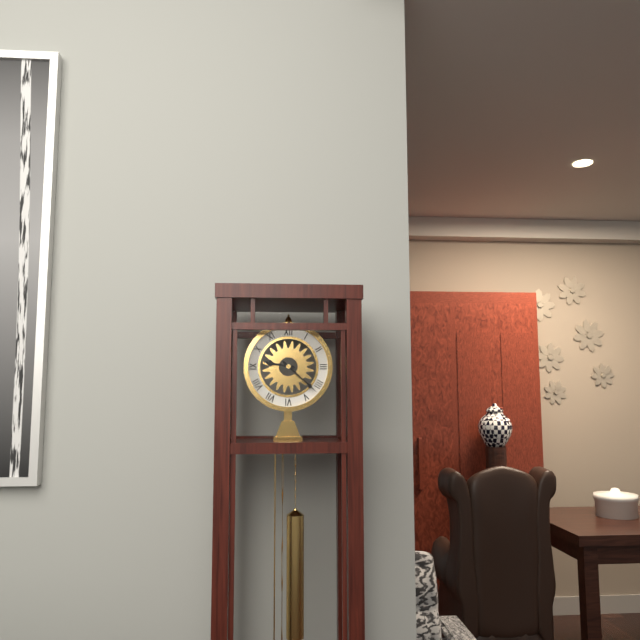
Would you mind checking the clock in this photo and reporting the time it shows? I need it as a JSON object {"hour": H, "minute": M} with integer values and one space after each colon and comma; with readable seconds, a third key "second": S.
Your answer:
{"hour": 9, "minute": 22}
